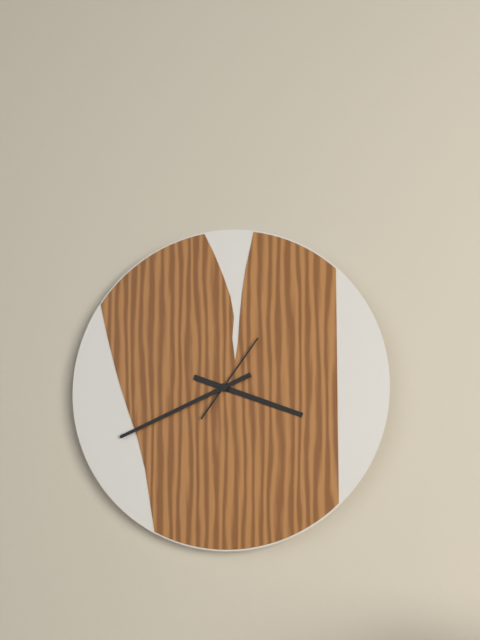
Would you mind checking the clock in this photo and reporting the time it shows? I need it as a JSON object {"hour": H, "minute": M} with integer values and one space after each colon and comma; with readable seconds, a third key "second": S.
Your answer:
{"hour": 3, "minute": 41, "second": 6}
